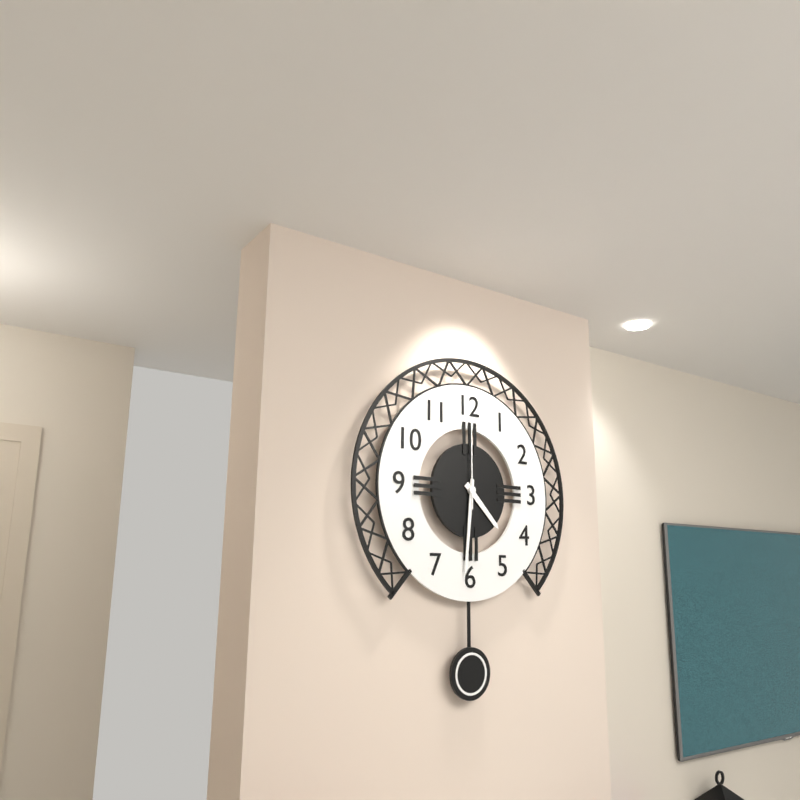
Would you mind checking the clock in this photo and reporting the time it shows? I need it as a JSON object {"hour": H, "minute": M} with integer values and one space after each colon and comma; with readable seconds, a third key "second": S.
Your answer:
{"hour": 4, "minute": 31, "second": 0}
